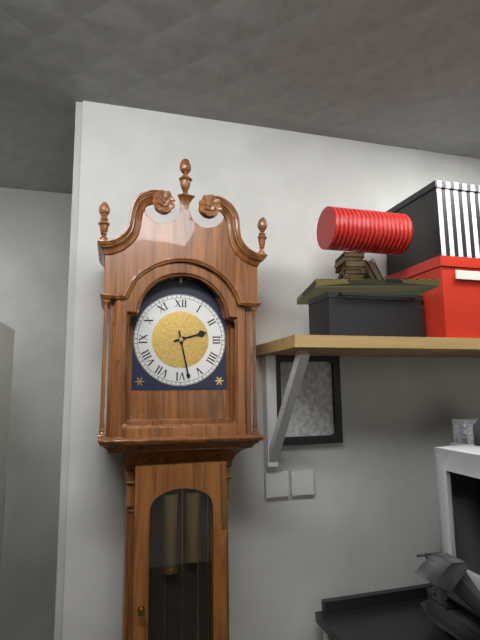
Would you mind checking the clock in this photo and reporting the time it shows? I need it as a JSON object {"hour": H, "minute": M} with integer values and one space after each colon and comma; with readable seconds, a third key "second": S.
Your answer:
{"hour": 2, "minute": 28}
